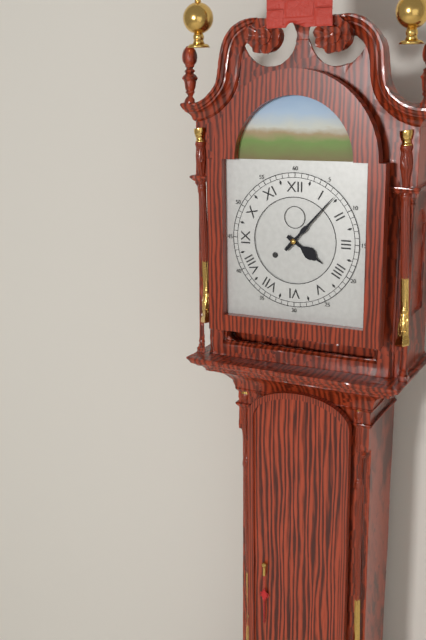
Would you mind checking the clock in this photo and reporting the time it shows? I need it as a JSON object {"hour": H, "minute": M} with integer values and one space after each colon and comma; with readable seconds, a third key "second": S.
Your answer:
{"hour": 4, "minute": 7}
